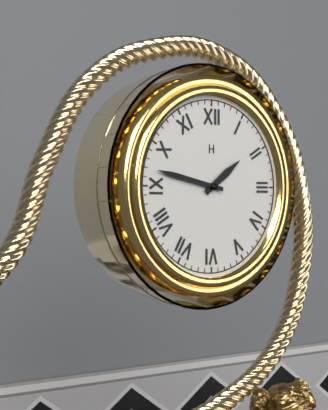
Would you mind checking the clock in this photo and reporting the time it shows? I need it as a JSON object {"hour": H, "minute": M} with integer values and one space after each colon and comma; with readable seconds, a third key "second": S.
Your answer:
{"hour": 1, "minute": 47}
